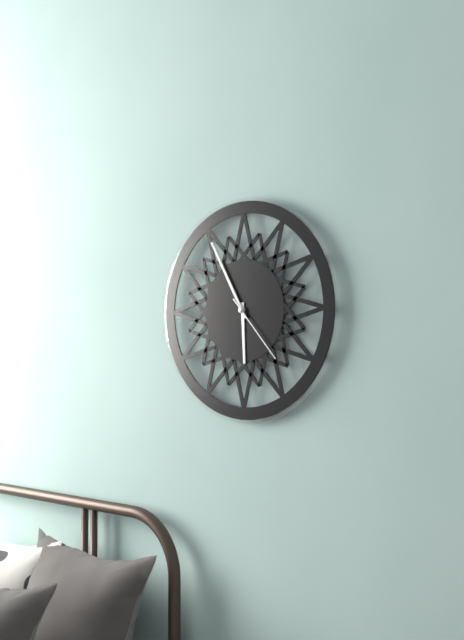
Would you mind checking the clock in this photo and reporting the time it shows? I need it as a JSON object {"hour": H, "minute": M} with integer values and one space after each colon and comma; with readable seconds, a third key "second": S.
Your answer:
{"hour": 5, "minute": 55, "second": 23}
